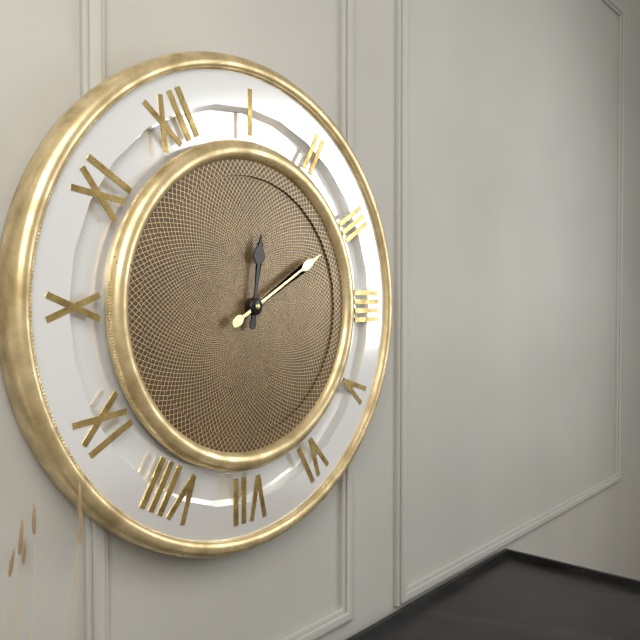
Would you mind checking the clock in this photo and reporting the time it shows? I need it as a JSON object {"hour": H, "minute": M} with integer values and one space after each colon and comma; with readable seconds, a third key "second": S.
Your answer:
{"hour": 1, "minute": 15}
